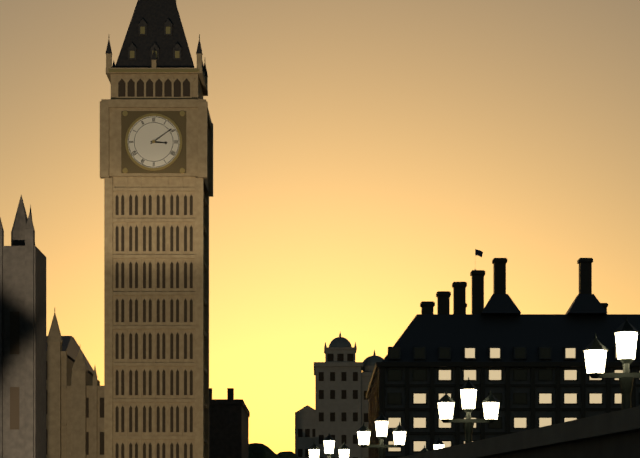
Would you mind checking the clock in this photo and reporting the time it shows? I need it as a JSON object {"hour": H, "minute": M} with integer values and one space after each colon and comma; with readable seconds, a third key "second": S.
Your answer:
{"hour": 3, "minute": 9}
